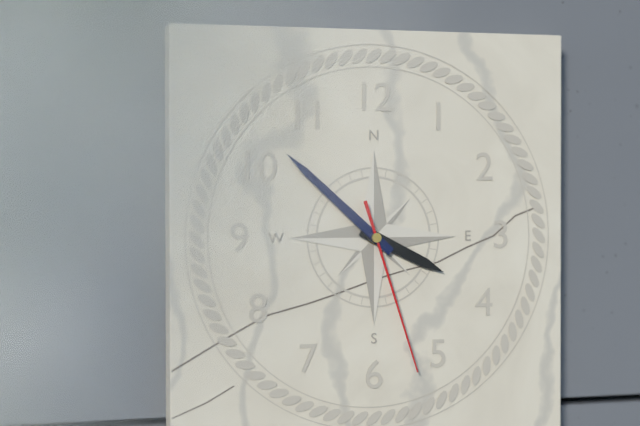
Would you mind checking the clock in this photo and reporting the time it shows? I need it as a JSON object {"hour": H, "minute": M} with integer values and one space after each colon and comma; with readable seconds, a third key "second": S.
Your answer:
{"hour": 3, "minute": 52, "second": 27}
